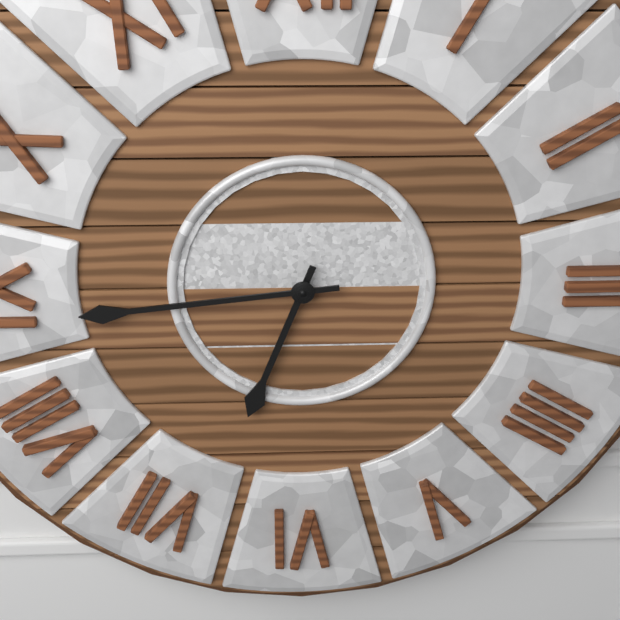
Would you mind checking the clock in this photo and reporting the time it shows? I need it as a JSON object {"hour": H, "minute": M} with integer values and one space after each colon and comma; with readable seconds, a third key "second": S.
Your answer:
{"hour": 6, "minute": 44}
